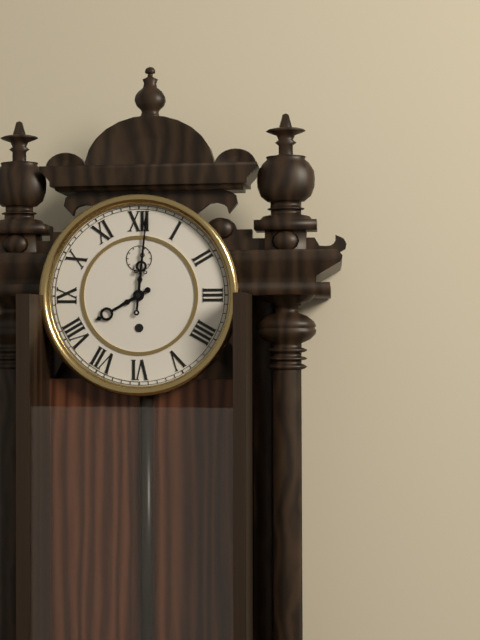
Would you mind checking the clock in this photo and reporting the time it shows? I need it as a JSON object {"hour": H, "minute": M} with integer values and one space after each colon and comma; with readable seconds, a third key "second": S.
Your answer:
{"hour": 8, "minute": 1}
